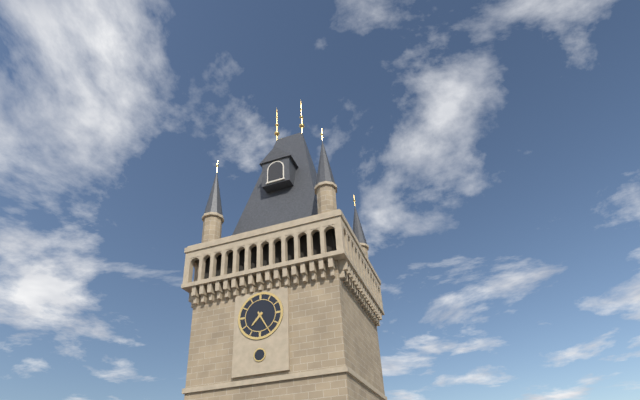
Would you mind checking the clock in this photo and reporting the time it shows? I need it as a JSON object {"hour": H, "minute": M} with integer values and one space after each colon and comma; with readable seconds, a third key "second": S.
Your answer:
{"hour": 7, "minute": 25}
